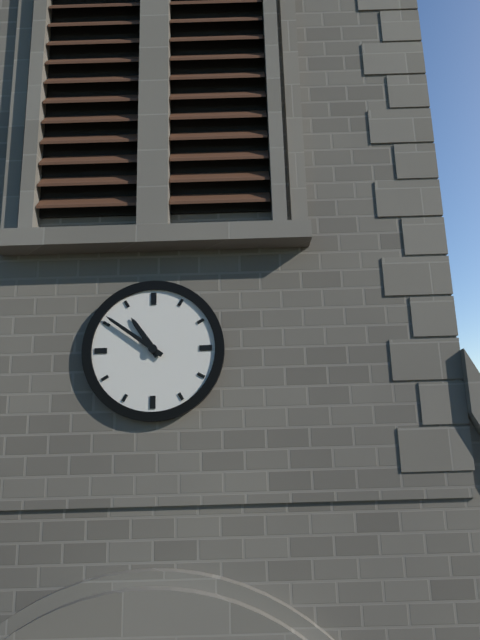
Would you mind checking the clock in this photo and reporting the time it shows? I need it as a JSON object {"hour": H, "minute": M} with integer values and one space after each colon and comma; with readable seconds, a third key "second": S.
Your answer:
{"hour": 10, "minute": 51}
